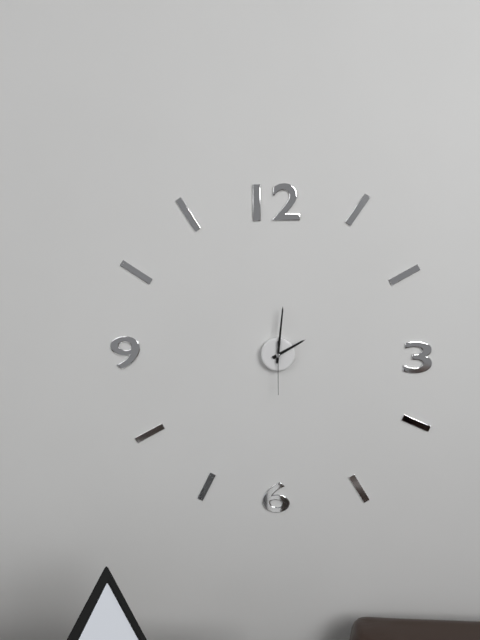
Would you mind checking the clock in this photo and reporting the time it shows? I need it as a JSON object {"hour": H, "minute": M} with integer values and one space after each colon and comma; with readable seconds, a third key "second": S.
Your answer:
{"hour": 2, "minute": 1, "second": 30}
